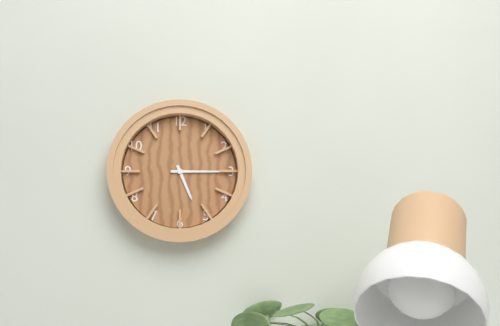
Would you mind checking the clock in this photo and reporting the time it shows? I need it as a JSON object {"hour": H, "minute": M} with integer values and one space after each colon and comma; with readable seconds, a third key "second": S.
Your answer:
{"hour": 5, "minute": 15}
